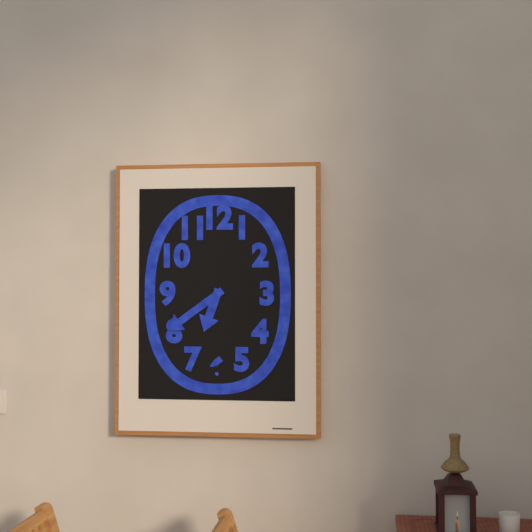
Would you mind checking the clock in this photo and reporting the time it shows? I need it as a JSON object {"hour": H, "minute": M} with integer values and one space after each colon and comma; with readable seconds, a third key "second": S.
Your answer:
{"hour": 6, "minute": 39}
